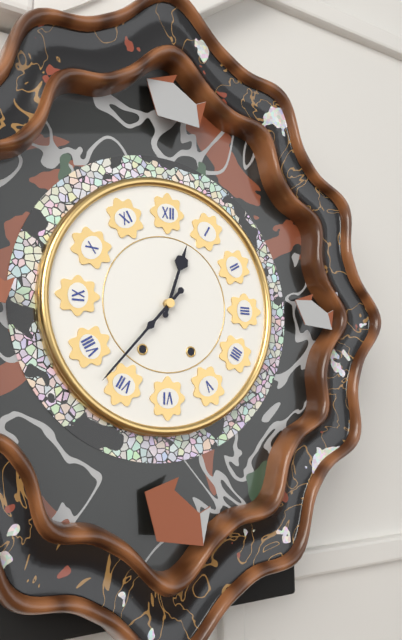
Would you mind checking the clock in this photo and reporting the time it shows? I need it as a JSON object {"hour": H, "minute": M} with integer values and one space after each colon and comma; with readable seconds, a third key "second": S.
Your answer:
{"hour": 12, "minute": 37}
